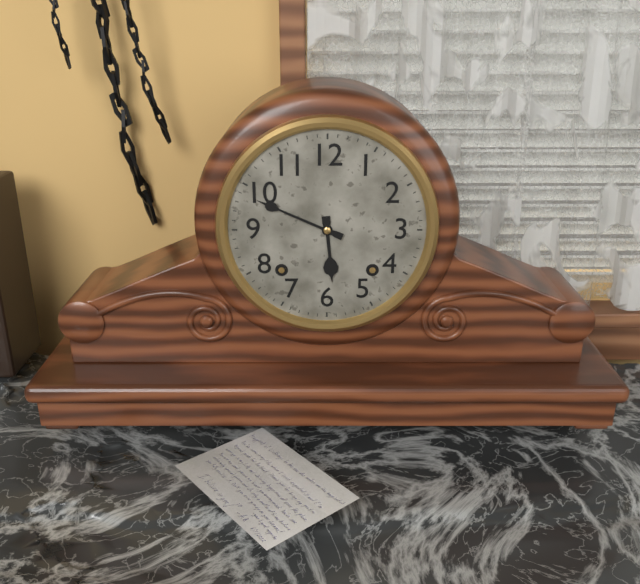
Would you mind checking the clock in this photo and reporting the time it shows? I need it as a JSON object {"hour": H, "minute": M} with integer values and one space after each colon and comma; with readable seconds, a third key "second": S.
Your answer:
{"hour": 5, "minute": 49}
